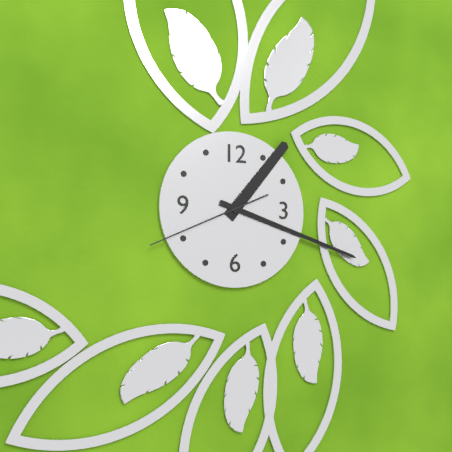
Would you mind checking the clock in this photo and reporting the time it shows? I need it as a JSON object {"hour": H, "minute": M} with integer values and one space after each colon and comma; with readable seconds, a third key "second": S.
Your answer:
{"hour": 1, "minute": 18, "second": 41}
